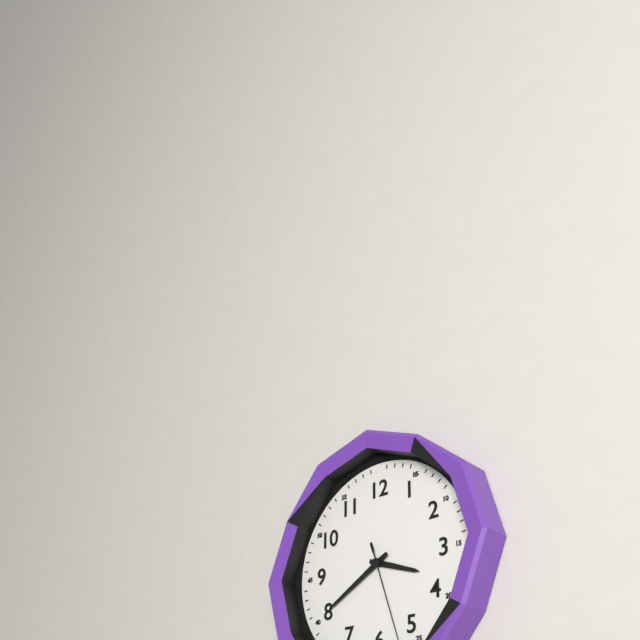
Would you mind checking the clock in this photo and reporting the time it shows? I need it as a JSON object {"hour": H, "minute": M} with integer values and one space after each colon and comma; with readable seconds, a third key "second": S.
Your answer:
{"hour": 3, "minute": 40}
